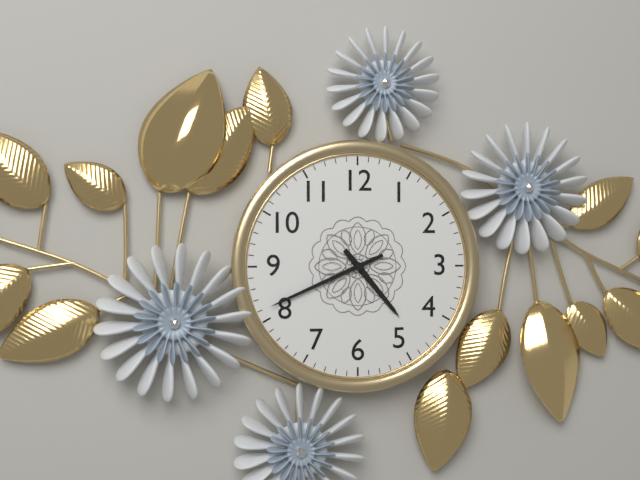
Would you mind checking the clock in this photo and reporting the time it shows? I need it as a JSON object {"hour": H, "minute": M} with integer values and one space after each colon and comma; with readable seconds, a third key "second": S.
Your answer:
{"hour": 4, "minute": 41}
